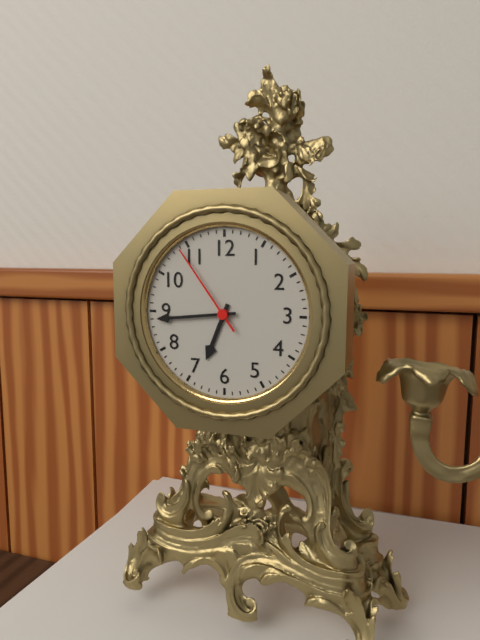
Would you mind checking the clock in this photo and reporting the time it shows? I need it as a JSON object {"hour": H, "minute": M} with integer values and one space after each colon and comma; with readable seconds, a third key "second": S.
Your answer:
{"hour": 6, "minute": 44, "second": 54}
